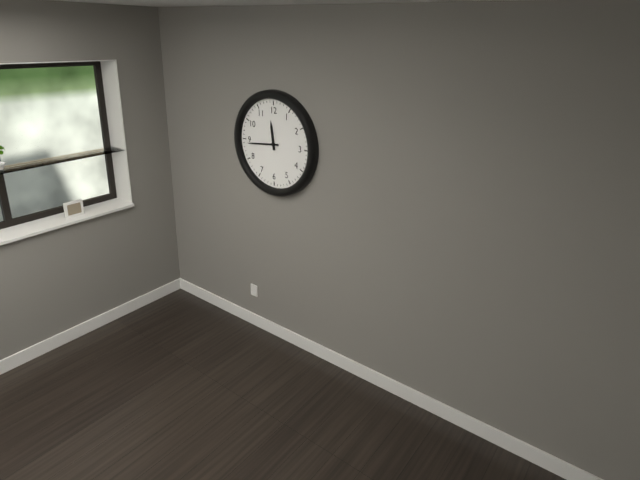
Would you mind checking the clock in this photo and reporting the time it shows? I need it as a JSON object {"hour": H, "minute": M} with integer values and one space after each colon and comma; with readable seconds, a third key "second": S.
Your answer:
{"hour": 11, "minute": 44}
